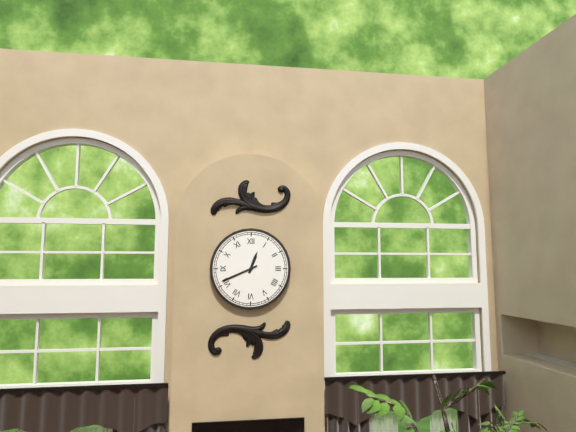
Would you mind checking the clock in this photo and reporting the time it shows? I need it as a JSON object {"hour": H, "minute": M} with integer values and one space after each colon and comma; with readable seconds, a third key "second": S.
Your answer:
{"hour": 12, "minute": 41}
